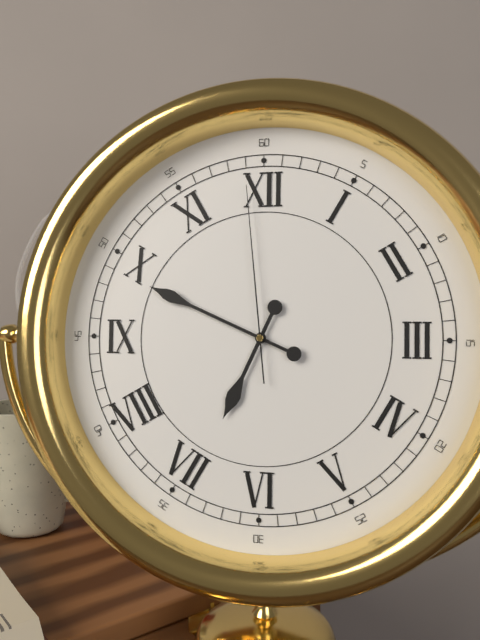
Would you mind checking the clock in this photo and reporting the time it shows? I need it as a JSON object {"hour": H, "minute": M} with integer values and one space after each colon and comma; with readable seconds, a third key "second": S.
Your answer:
{"hour": 6, "minute": 49, "second": 59}
